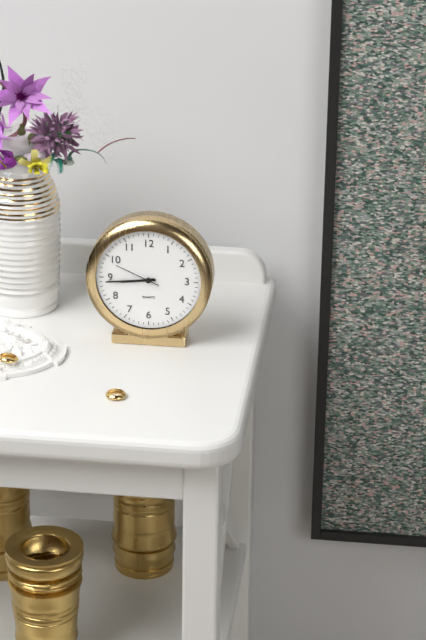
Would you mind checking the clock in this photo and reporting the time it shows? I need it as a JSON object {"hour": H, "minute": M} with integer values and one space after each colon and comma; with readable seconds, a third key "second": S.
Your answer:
{"hour": 8, "minute": 44}
